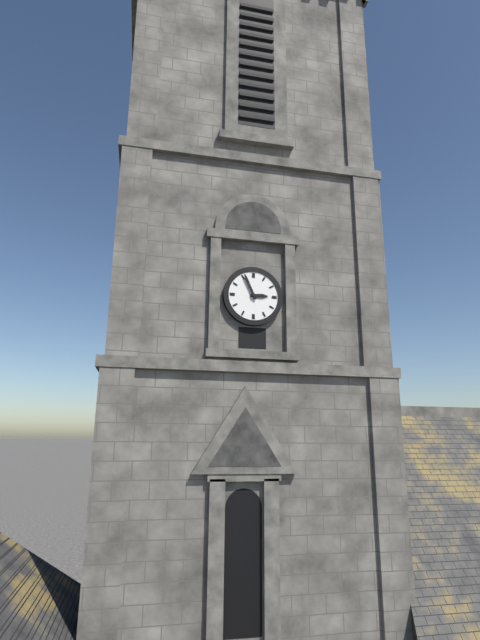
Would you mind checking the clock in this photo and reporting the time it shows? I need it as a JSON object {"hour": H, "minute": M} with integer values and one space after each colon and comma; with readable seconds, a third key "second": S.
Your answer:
{"hour": 2, "minute": 56}
